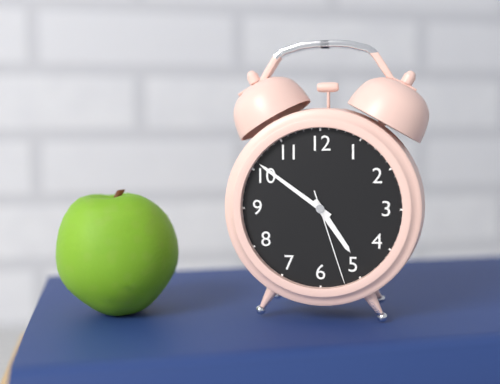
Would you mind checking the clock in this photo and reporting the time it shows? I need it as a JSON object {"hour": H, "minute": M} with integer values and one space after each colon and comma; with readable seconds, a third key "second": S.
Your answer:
{"hour": 4, "minute": 51, "second": 27}
